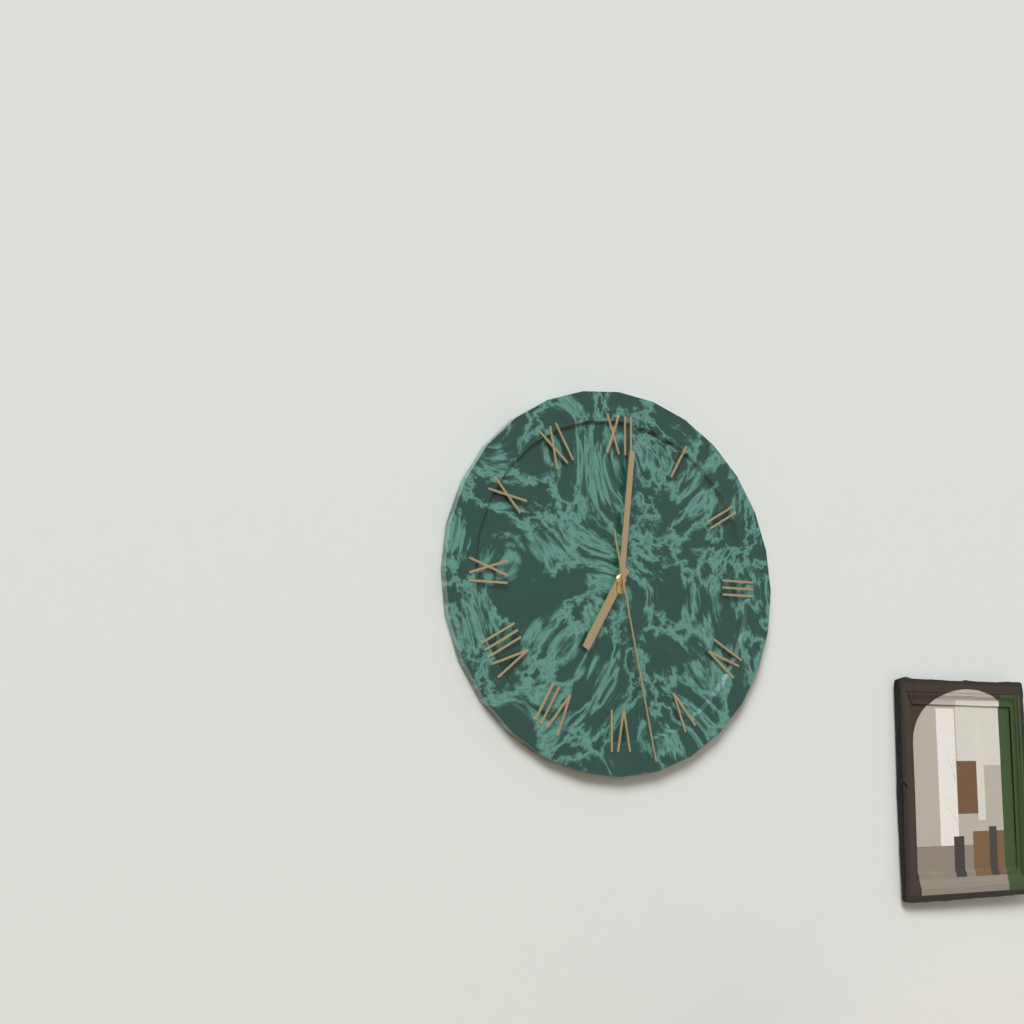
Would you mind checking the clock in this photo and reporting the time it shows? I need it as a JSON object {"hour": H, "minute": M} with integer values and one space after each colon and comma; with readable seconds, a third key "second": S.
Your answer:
{"hour": 7, "minute": 1, "second": 28}
